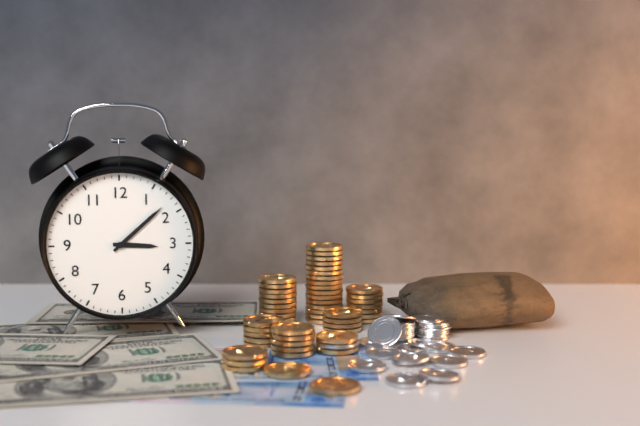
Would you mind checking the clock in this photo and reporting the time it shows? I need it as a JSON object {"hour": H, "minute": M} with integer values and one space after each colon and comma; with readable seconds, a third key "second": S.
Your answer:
{"hour": 3, "minute": 8}
